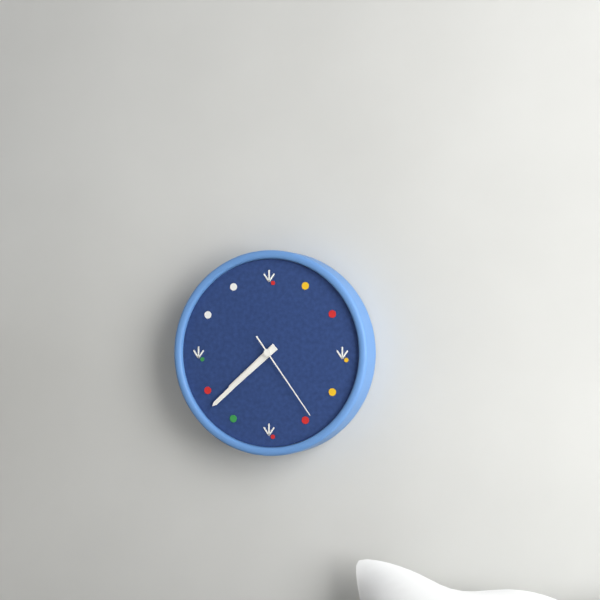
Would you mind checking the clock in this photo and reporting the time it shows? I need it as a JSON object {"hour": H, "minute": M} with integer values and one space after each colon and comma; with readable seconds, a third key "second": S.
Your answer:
{"hour": 7, "minute": 38, "second": 24}
